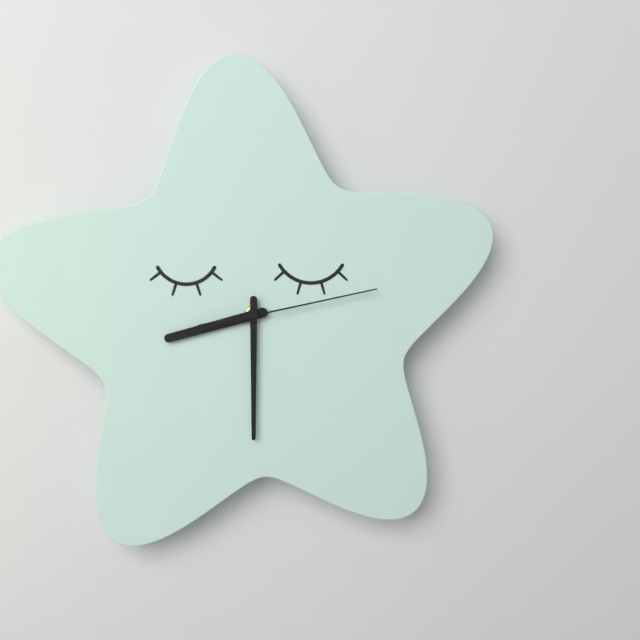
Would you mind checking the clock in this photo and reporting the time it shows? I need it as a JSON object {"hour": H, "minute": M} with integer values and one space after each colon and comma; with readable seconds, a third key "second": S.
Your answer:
{"hour": 8, "minute": 30, "second": 13}
